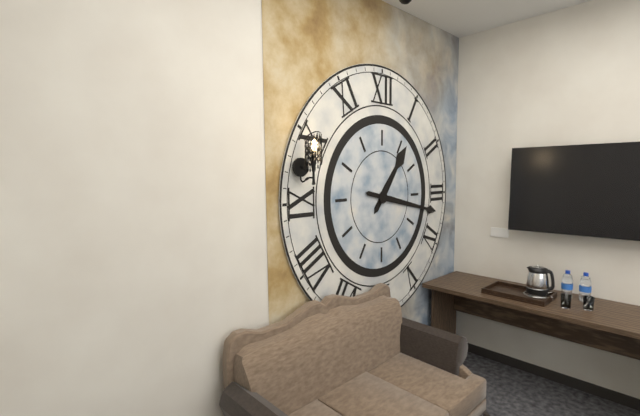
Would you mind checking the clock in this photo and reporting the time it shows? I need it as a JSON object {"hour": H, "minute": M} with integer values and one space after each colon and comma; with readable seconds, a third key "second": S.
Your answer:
{"hour": 1, "minute": 17}
